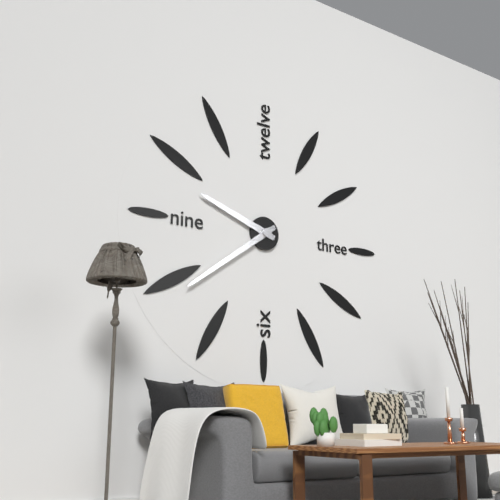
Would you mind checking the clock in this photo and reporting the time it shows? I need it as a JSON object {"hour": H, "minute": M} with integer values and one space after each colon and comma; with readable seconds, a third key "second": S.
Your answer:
{"hour": 9, "minute": 39}
